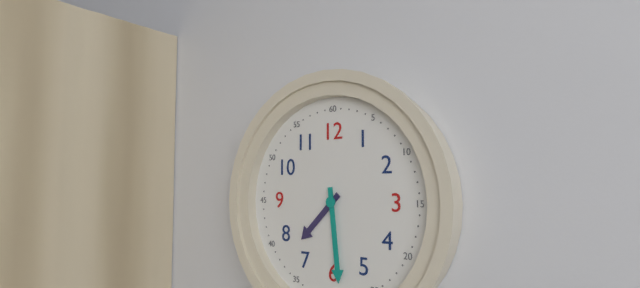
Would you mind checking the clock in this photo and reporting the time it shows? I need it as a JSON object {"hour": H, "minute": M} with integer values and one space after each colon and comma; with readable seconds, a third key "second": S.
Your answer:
{"hour": 7, "minute": 29}
